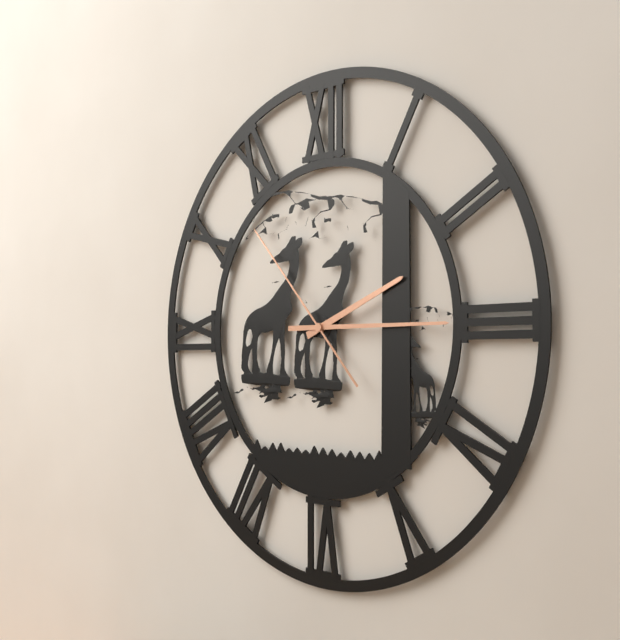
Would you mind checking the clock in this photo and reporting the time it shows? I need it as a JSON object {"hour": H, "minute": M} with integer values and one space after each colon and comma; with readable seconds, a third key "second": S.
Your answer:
{"hour": 2, "minute": 15, "second": 53}
